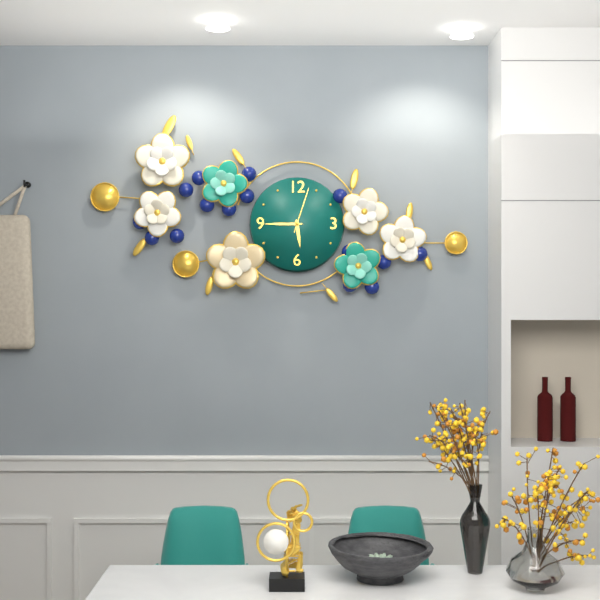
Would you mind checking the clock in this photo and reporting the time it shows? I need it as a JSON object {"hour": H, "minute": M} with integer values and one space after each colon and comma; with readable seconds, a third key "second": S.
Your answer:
{"hour": 5, "minute": 45}
